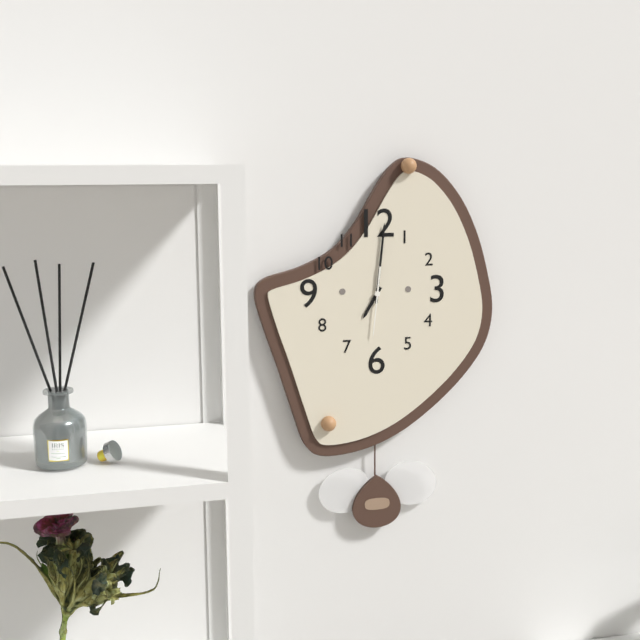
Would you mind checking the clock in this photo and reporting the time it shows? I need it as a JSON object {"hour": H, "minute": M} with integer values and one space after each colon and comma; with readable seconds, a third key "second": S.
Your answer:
{"hour": 7, "minute": 1, "second": 31}
